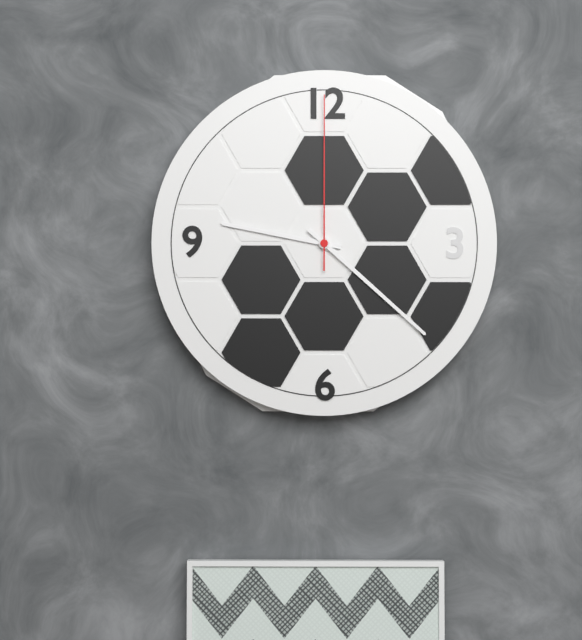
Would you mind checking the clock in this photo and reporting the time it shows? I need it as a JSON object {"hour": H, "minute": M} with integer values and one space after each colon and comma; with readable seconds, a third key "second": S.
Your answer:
{"hour": 9, "minute": 22, "second": 0}
